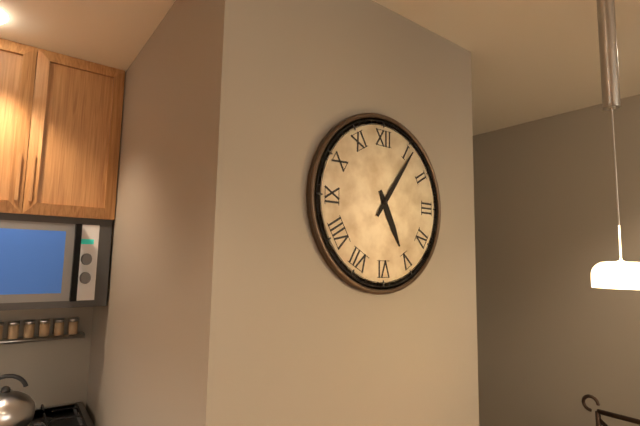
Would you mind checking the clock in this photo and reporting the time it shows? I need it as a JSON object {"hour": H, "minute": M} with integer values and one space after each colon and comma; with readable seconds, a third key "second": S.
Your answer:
{"hour": 5, "minute": 6}
